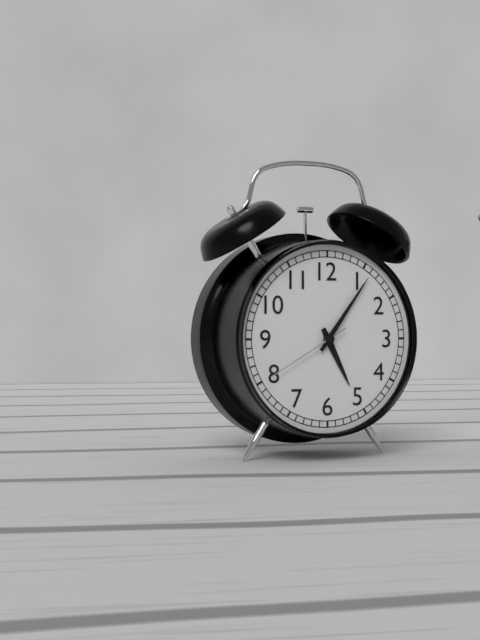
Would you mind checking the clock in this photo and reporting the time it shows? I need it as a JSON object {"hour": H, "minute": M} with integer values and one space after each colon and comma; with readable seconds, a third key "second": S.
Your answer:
{"hour": 5, "minute": 6, "second": 40}
